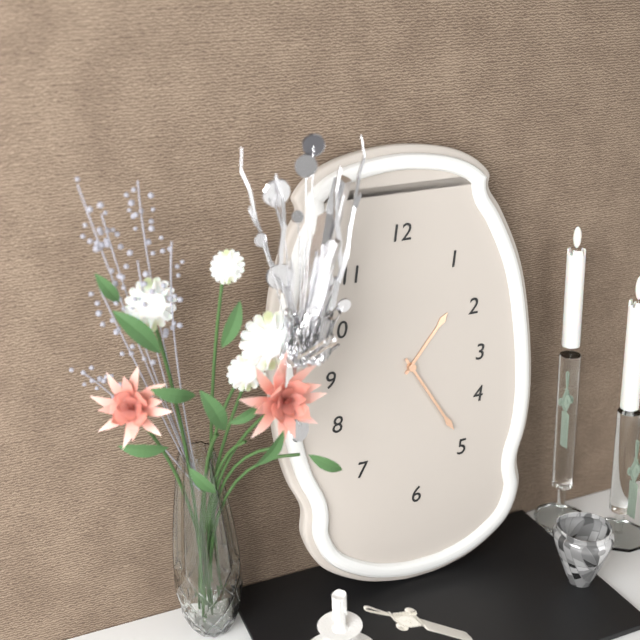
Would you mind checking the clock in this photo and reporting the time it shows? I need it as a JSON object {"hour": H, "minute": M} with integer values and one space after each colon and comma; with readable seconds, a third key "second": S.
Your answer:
{"hour": 1, "minute": 25}
